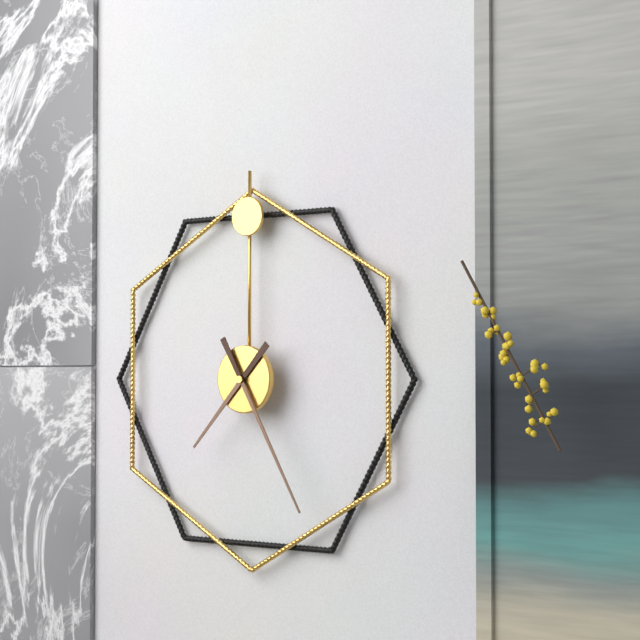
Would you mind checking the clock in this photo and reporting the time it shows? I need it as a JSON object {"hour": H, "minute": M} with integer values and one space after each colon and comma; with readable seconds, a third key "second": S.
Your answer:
{"hour": 7, "minute": 25}
